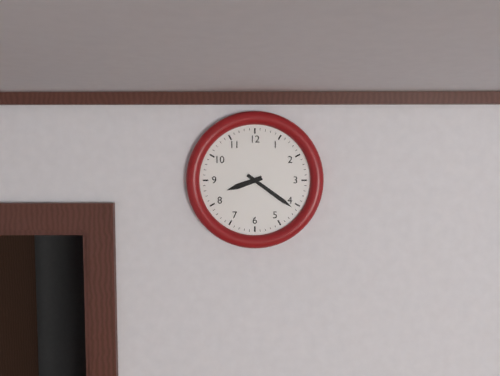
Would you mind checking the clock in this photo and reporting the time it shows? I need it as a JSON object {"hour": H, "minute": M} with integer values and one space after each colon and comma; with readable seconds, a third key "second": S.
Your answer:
{"hour": 8, "minute": 21}
